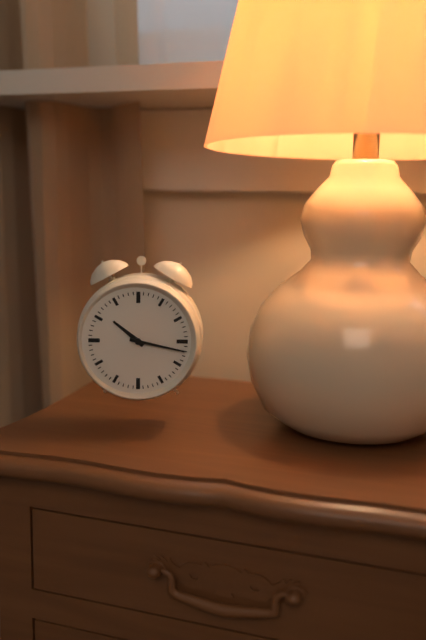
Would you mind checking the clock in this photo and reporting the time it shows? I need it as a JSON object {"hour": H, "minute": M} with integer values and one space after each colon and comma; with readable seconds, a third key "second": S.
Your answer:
{"hour": 10, "minute": 17}
